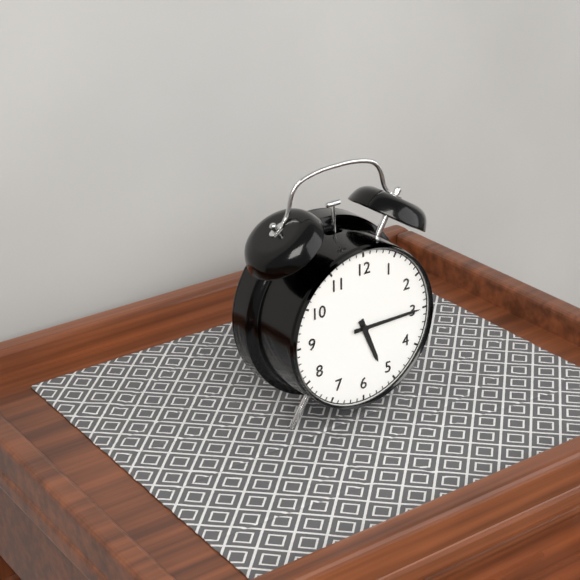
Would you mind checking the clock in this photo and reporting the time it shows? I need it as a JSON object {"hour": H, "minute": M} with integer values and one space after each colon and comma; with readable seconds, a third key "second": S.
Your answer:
{"hour": 5, "minute": 15}
